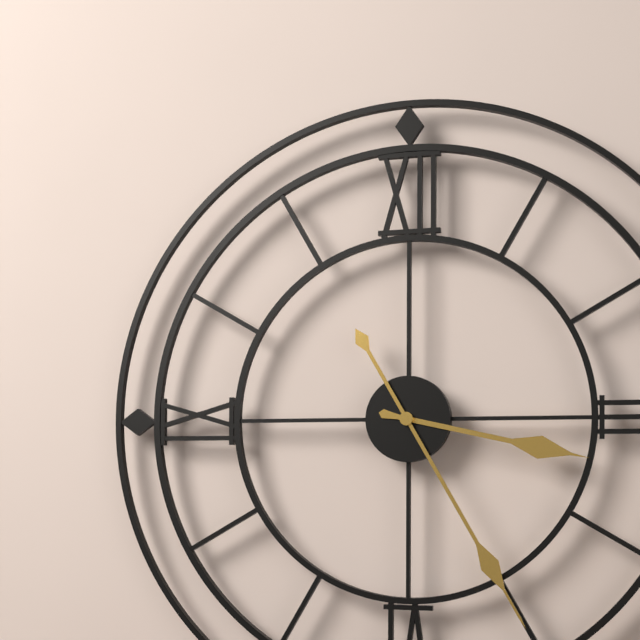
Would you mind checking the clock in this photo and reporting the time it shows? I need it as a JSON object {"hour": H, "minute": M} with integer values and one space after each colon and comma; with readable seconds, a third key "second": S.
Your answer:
{"hour": 3, "minute": 25}
